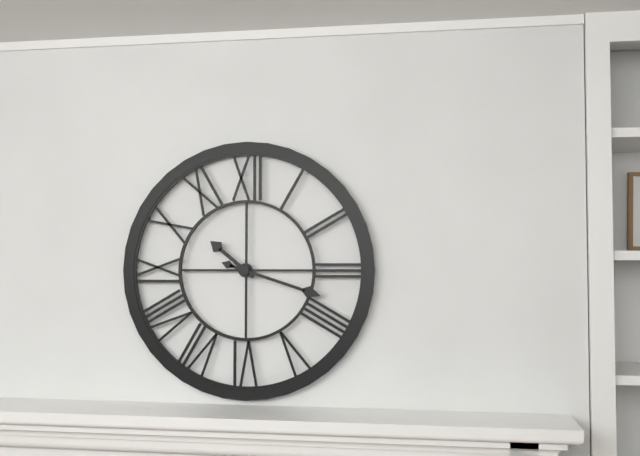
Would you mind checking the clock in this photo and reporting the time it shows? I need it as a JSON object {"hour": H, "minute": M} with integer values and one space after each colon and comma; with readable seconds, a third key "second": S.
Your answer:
{"hour": 10, "minute": 18}
